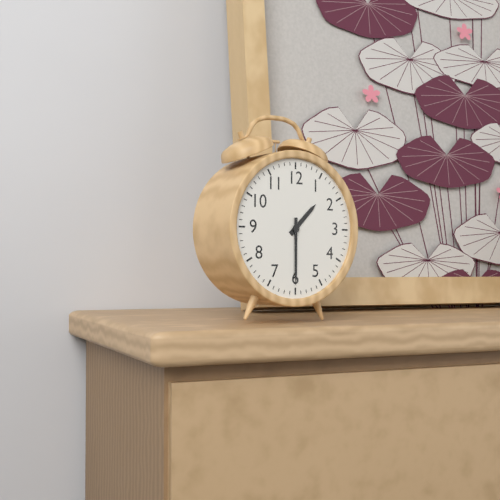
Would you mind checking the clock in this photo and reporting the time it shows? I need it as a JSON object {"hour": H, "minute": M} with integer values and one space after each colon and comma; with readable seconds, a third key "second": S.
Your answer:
{"hour": 1, "minute": 30}
